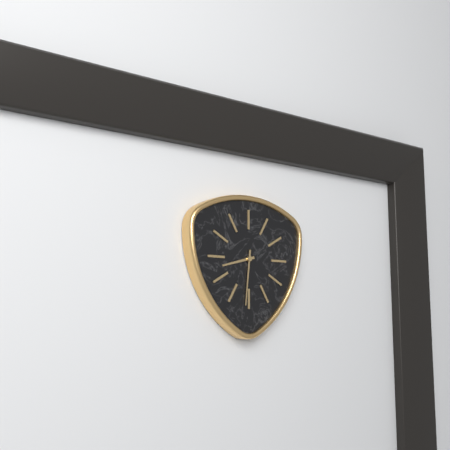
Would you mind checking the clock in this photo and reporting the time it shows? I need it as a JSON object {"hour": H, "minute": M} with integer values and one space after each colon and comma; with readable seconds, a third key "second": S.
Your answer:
{"hour": 8, "minute": 31}
